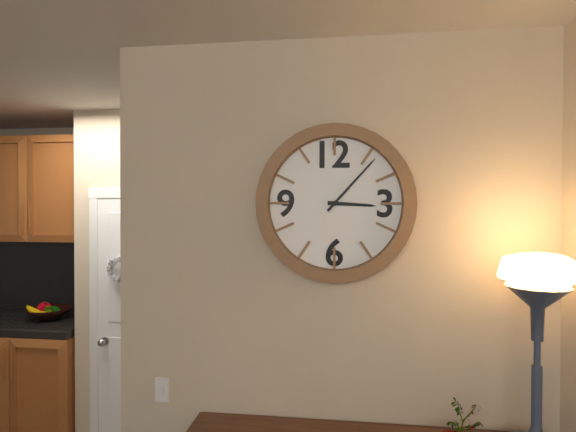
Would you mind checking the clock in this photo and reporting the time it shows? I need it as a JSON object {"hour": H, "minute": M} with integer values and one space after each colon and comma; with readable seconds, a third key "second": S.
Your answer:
{"hour": 3, "minute": 7}
